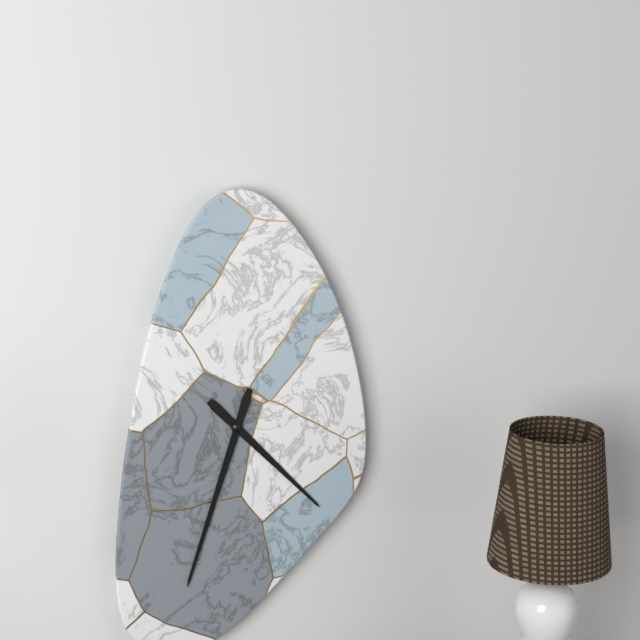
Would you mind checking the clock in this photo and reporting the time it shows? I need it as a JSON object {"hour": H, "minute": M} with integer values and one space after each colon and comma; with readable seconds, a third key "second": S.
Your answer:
{"hour": 4, "minute": 33}
